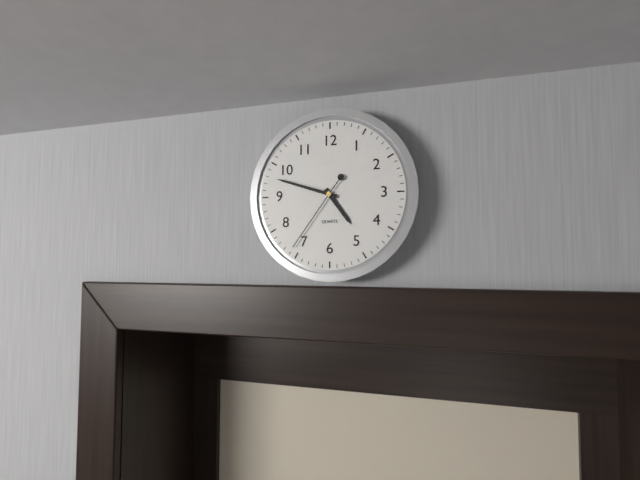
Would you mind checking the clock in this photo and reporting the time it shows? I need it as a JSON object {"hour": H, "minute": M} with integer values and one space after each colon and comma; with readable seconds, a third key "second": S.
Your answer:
{"hour": 4, "minute": 48, "second": 36}
